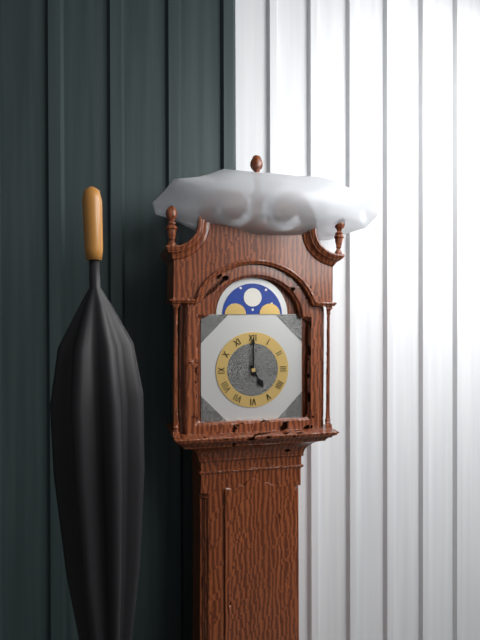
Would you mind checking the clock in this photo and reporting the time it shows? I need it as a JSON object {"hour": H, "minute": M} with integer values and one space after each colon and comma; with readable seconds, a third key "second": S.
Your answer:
{"hour": 5, "minute": 0}
